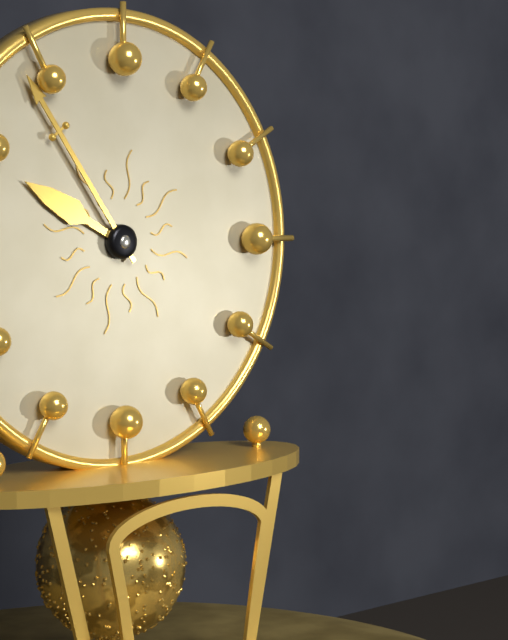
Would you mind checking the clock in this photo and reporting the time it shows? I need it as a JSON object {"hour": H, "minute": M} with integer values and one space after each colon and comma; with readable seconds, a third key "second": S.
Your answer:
{"hour": 9, "minute": 54}
